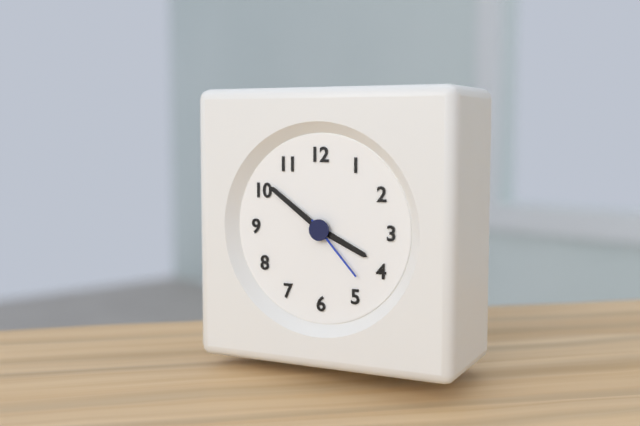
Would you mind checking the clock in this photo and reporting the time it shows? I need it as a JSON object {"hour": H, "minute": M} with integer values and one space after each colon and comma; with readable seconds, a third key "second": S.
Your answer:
{"hour": 3, "minute": 51, "second": 23}
